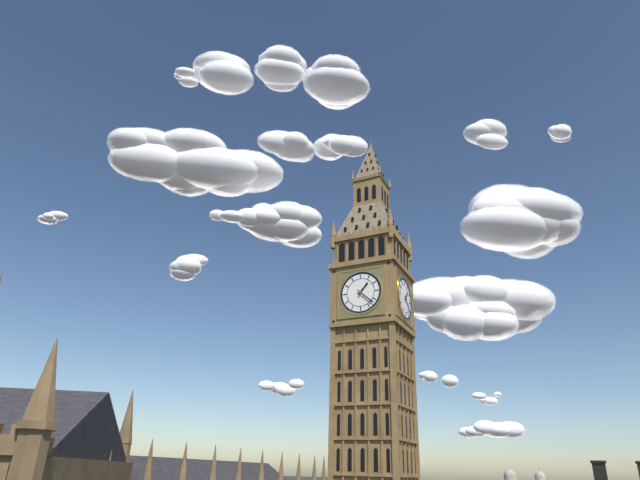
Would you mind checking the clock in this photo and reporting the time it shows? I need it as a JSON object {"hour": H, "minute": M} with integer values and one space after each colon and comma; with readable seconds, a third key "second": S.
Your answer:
{"hour": 1, "minute": 22}
